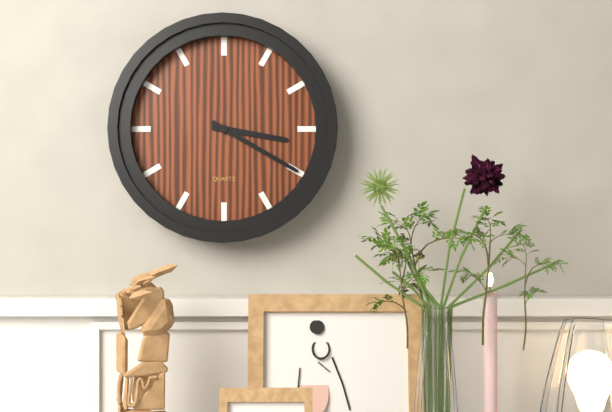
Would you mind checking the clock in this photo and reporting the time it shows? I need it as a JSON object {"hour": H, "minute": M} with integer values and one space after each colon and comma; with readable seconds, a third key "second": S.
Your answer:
{"hour": 3, "minute": 20}
